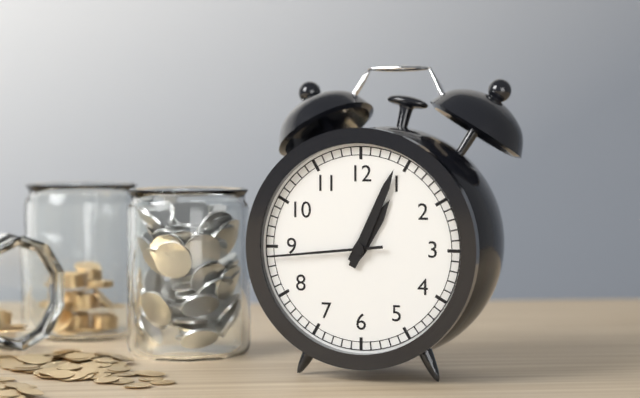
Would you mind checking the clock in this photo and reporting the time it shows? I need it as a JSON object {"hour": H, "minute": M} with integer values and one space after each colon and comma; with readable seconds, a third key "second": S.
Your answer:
{"hour": 1, "minute": 4, "second": 44}
